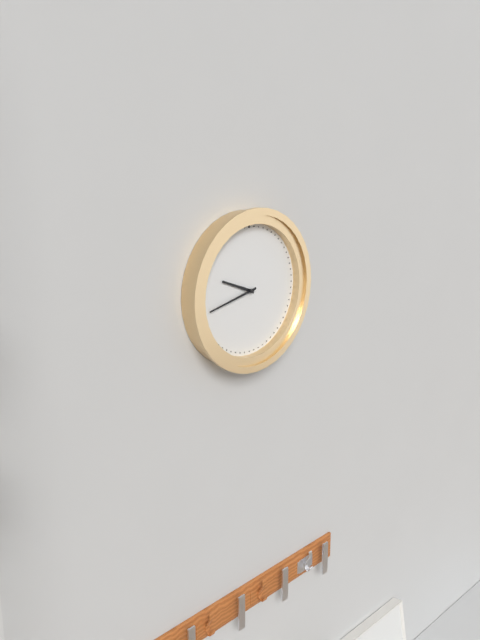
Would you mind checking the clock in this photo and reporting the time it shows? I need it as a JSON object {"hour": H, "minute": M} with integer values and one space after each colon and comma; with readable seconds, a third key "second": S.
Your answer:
{"hour": 9, "minute": 43}
